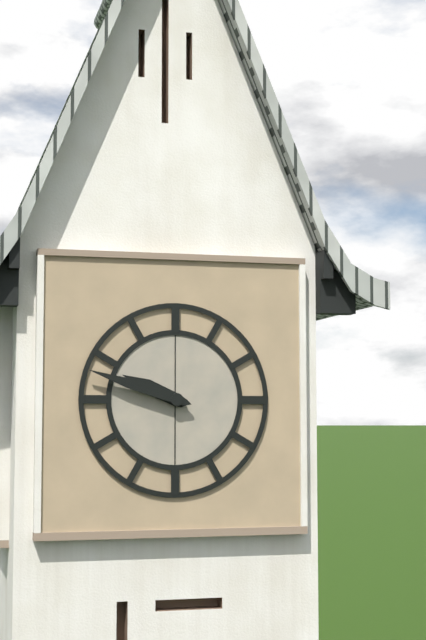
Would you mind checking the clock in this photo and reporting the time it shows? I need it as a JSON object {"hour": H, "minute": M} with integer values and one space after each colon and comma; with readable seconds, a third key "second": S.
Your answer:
{"hour": 9, "minute": 48}
